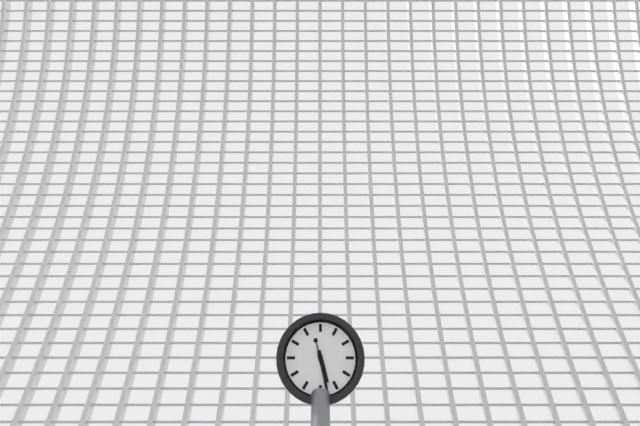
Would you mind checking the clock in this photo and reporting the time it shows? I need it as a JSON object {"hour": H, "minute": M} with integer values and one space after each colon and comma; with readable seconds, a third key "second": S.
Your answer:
{"hour": 5, "minute": 28}
